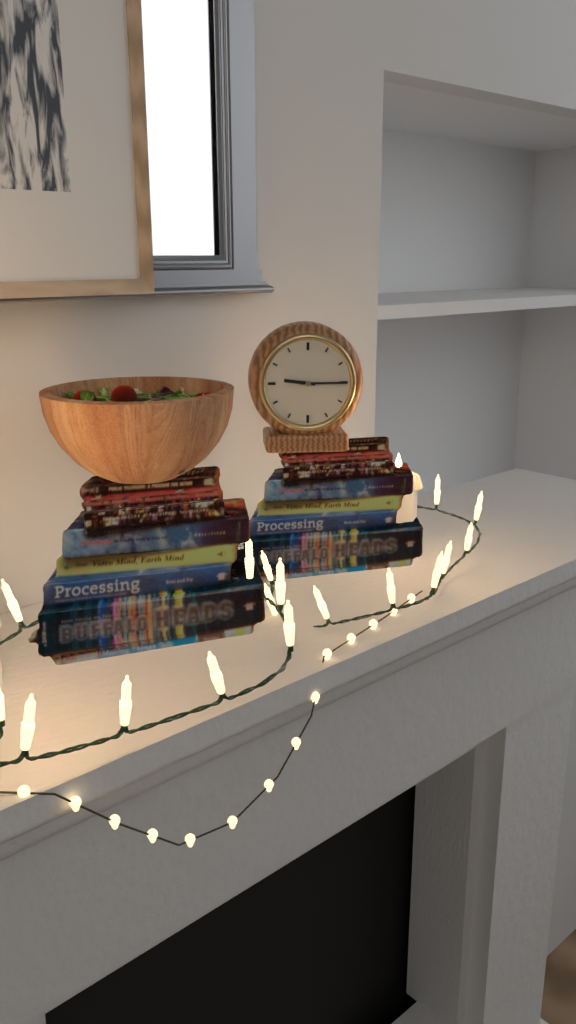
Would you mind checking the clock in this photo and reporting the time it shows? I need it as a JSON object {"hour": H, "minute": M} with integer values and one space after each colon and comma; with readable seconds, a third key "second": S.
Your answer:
{"hour": 9, "minute": 15}
